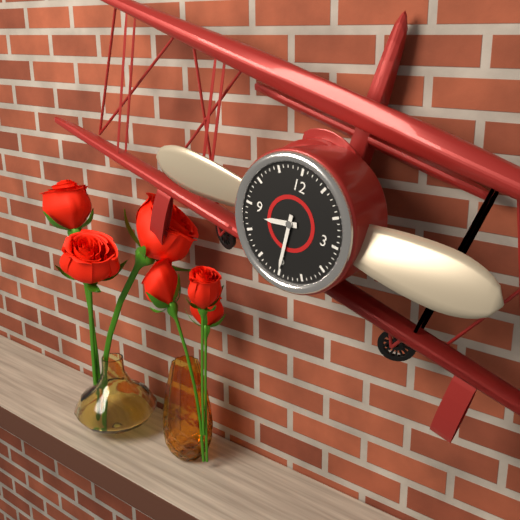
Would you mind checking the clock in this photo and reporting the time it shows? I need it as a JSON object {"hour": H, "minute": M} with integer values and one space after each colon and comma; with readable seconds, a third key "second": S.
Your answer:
{"hour": 8, "minute": 30}
